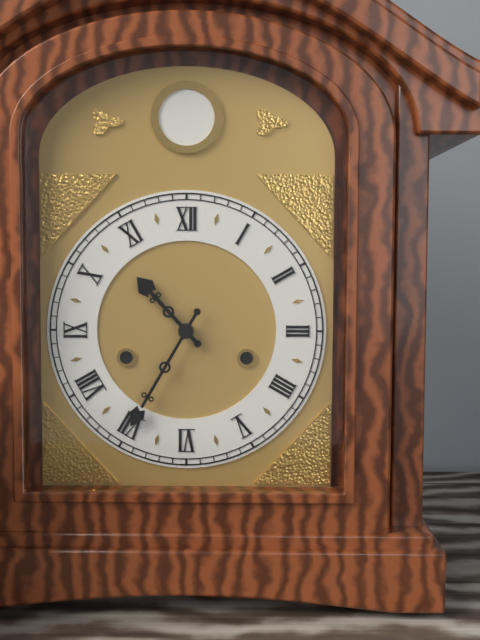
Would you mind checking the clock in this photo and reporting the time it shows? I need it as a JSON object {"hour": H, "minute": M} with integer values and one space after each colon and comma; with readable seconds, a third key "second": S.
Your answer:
{"hour": 10, "minute": 35}
